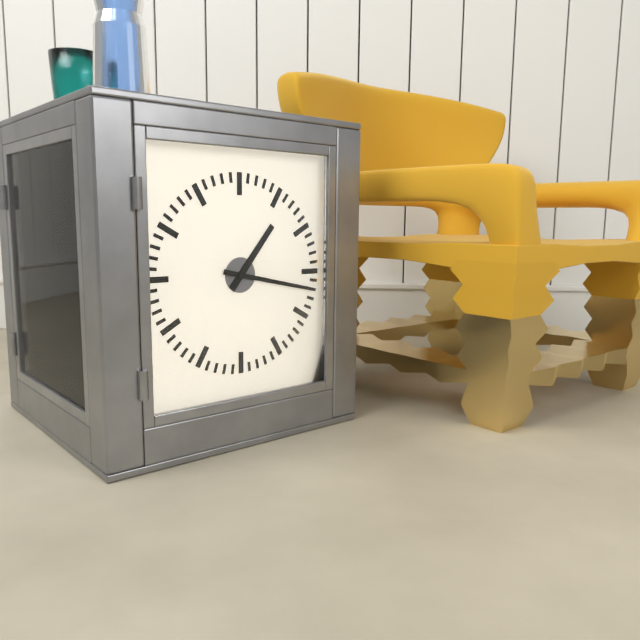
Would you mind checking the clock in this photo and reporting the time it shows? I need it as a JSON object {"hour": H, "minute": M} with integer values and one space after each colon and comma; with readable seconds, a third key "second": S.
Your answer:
{"hour": 1, "minute": 17}
